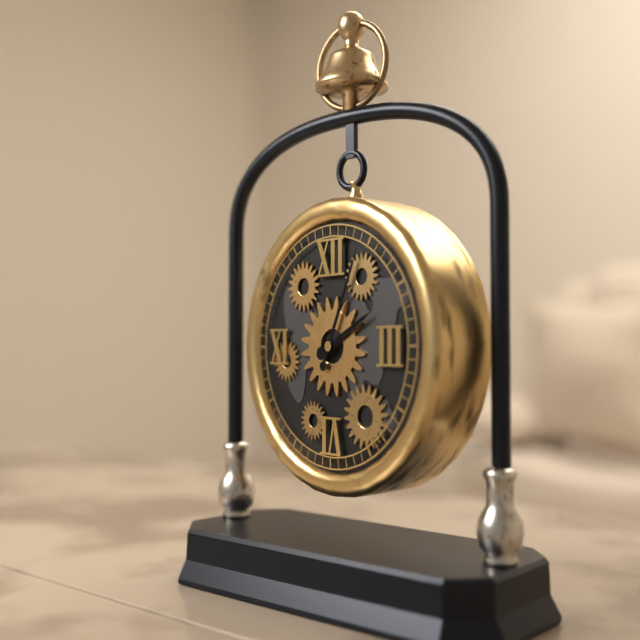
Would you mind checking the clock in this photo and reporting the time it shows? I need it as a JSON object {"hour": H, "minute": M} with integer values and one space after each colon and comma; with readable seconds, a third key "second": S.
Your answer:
{"hour": 2, "minute": 4}
